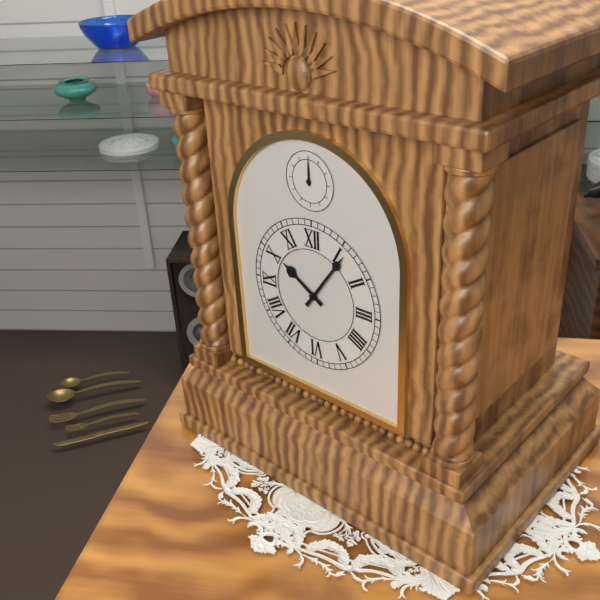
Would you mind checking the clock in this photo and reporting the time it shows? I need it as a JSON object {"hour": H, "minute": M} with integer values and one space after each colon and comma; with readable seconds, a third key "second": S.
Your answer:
{"hour": 10, "minute": 6}
